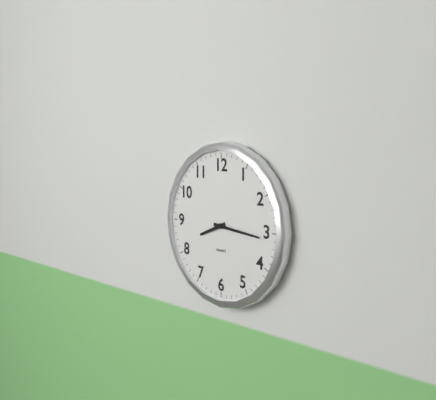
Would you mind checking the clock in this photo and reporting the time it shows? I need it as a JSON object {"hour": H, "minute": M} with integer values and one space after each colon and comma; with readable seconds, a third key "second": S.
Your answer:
{"hour": 8, "minute": 16}
